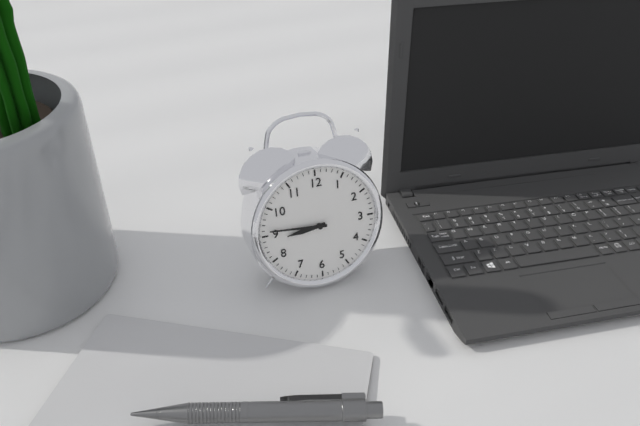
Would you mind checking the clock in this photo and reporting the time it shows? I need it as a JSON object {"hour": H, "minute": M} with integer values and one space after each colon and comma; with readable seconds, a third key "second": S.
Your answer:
{"hour": 8, "minute": 46}
